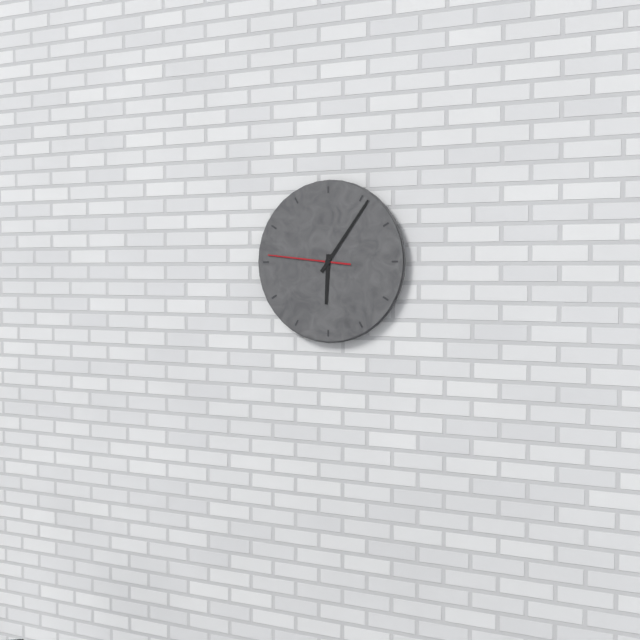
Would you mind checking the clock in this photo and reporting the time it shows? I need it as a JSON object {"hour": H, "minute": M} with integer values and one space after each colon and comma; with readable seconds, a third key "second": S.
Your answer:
{"hour": 6, "minute": 6, "second": 46}
